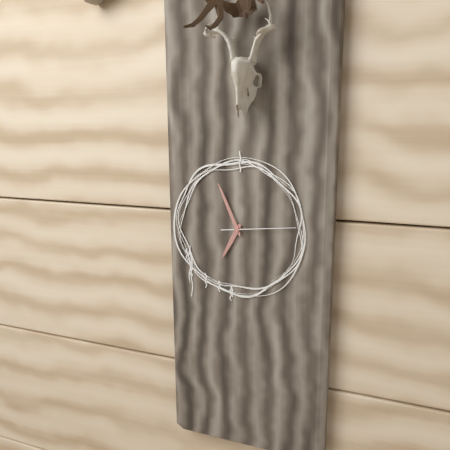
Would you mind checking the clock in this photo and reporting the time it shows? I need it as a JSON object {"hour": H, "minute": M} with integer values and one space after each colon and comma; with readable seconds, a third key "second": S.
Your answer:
{"hour": 6, "minute": 56, "second": 14}
